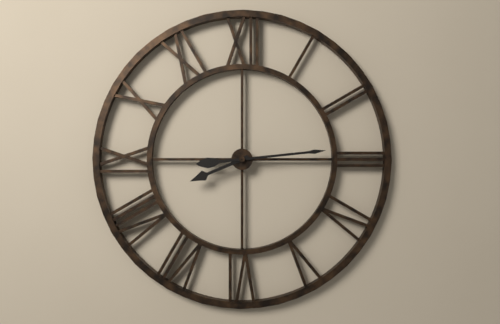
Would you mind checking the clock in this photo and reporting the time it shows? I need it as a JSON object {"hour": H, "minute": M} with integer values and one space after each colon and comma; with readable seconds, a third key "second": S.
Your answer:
{"hour": 8, "minute": 14}
